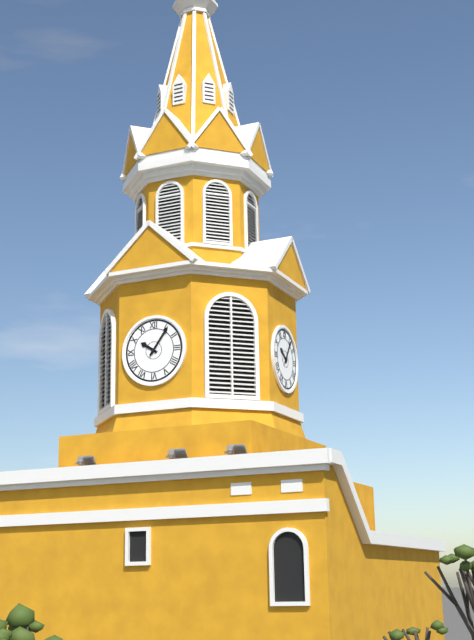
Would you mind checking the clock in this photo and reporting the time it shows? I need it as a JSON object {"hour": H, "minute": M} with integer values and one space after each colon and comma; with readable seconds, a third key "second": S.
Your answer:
{"hour": 10, "minute": 6}
